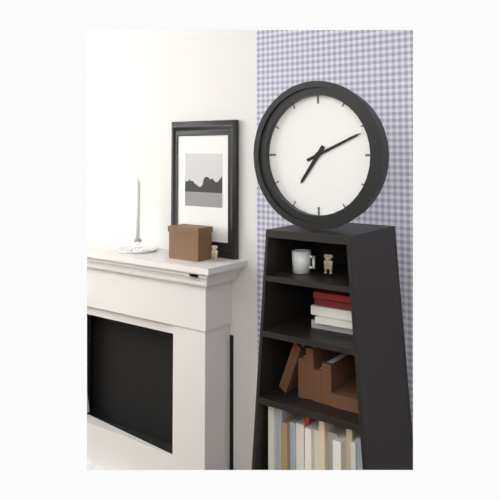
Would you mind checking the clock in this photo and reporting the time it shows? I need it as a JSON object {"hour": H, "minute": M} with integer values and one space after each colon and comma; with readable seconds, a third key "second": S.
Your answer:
{"hour": 7, "minute": 11}
